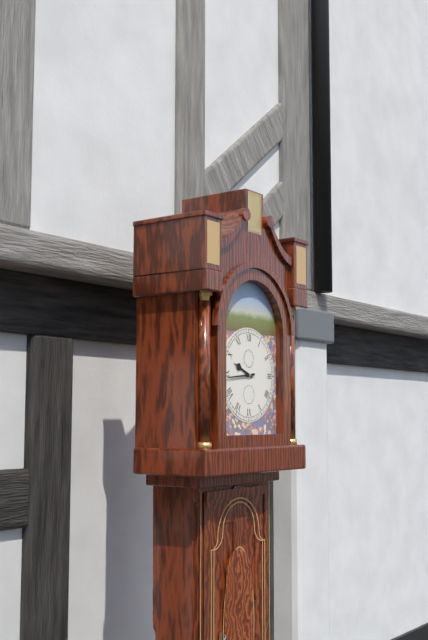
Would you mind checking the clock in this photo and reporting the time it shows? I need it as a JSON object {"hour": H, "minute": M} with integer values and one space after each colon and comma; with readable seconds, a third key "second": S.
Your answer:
{"hour": 9, "minute": 44}
